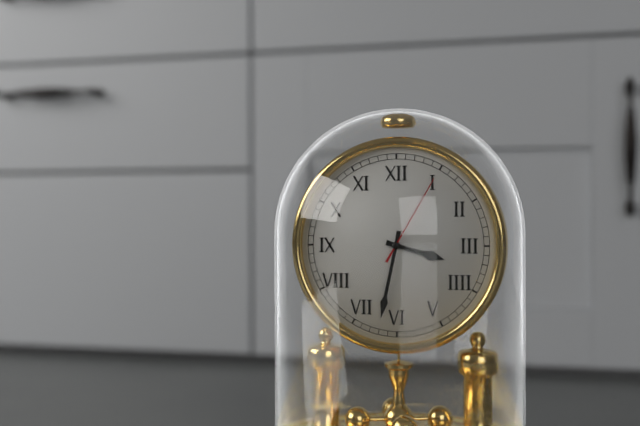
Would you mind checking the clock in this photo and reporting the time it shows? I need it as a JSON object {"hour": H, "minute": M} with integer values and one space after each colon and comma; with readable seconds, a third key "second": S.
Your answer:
{"hour": 3, "minute": 32, "second": 5}
